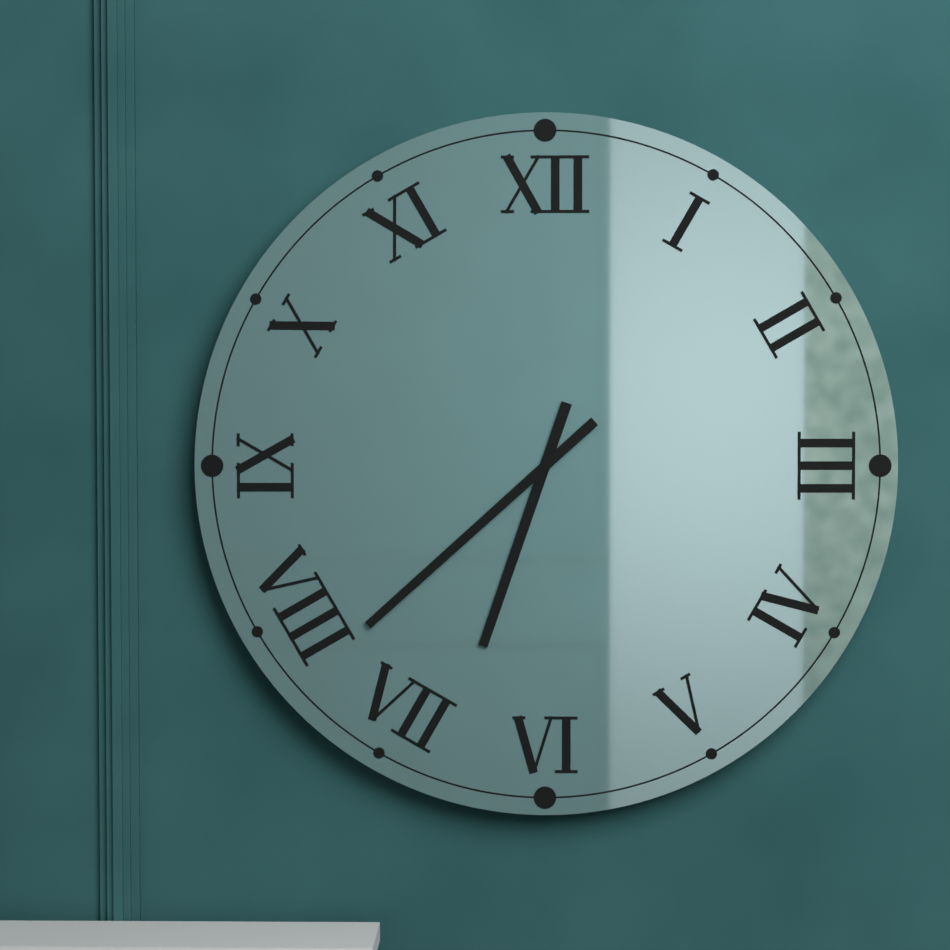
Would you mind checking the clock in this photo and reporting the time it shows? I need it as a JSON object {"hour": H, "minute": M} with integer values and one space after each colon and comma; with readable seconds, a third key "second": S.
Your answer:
{"hour": 6, "minute": 38}
